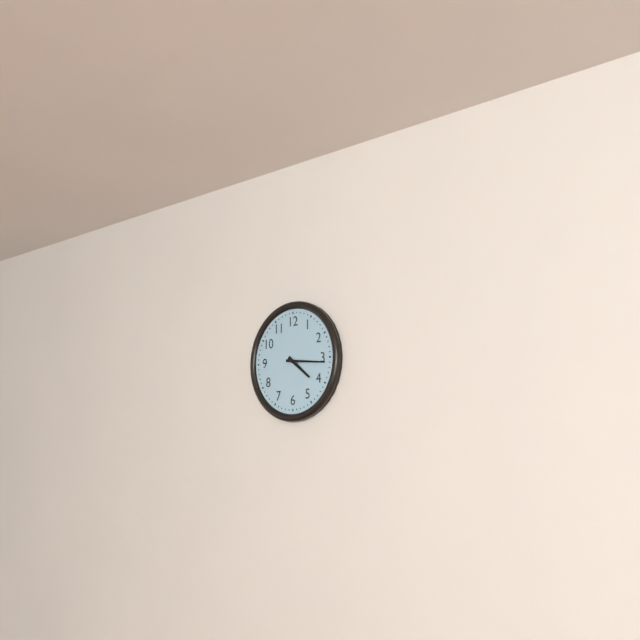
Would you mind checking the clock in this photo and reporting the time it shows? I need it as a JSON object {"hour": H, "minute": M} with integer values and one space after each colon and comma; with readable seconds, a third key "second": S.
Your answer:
{"hour": 4, "minute": 16}
